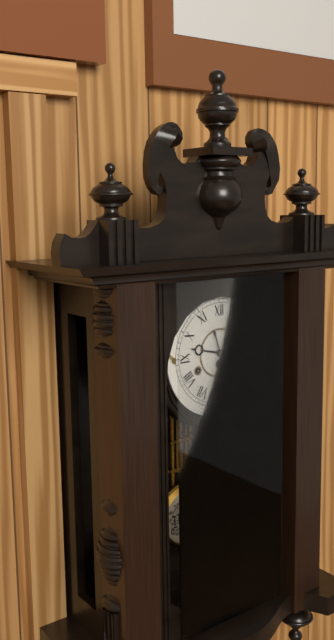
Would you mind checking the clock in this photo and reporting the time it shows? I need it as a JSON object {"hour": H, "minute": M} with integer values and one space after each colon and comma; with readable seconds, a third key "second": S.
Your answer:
{"hour": 9, "minute": 27}
